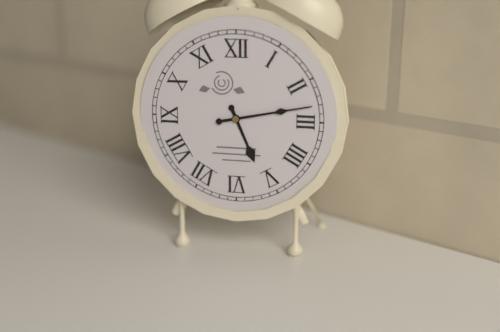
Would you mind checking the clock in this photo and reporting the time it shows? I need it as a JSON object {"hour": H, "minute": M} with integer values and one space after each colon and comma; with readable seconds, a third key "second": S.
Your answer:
{"hour": 5, "minute": 13}
